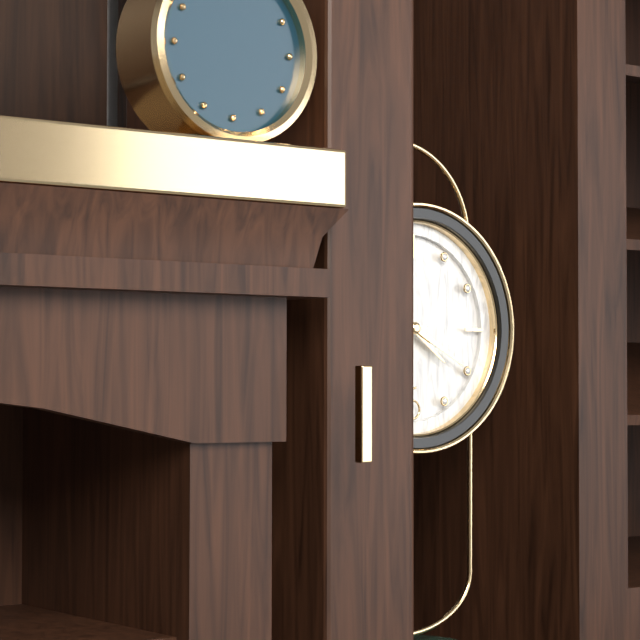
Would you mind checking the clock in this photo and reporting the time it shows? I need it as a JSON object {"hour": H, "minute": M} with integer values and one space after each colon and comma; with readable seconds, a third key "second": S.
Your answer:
{"hour": 4, "minute": 20}
